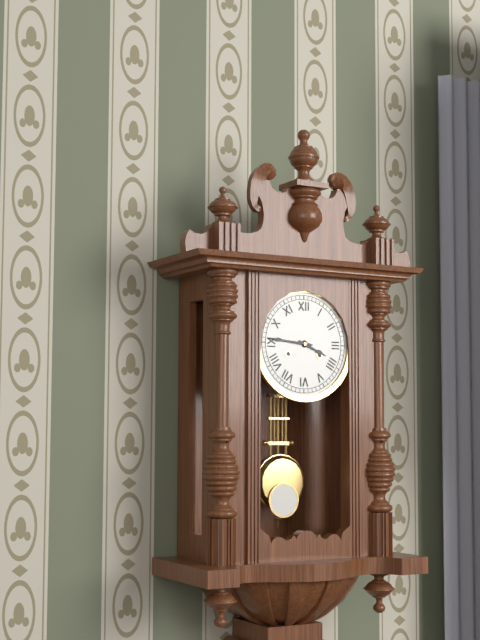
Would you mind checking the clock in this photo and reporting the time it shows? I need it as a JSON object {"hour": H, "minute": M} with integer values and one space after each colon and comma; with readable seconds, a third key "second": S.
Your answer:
{"hour": 3, "minute": 46}
